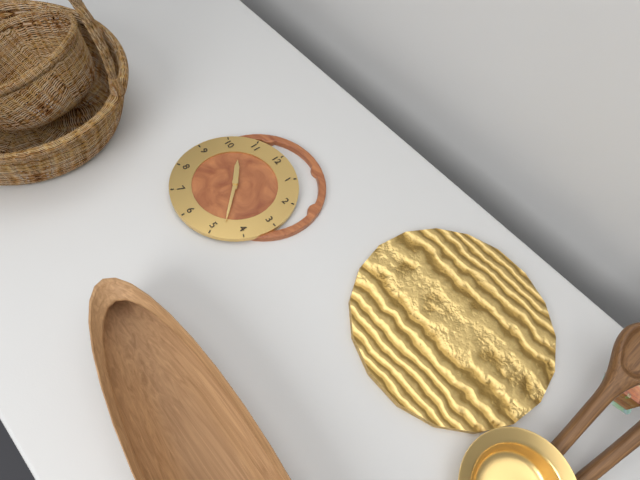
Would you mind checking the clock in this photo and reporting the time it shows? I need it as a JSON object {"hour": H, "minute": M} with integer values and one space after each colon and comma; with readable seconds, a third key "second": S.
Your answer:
{"hour": 10, "minute": 23}
